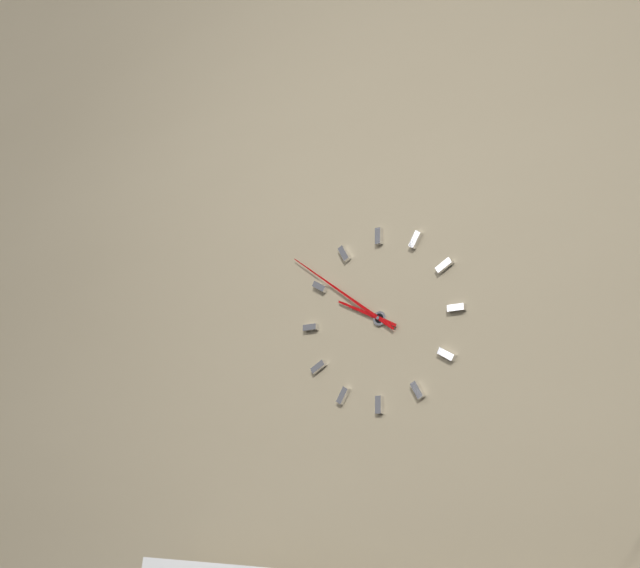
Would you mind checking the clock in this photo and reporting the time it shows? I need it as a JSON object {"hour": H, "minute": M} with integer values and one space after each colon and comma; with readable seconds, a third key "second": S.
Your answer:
{"hour": 9, "minute": 51}
